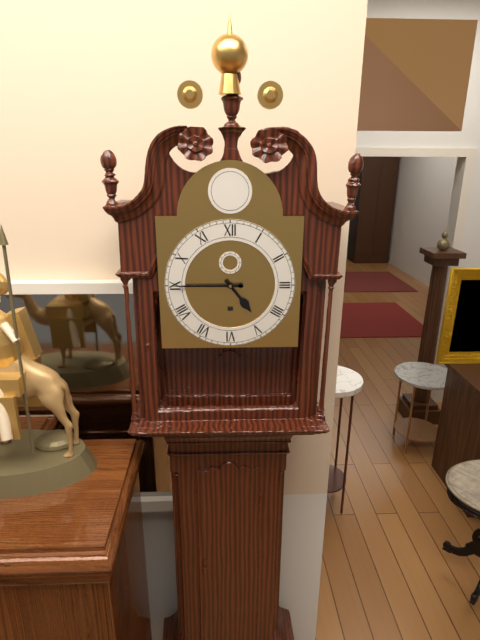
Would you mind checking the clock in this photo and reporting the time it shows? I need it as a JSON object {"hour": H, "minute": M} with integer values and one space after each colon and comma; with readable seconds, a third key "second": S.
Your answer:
{"hour": 4, "minute": 45}
